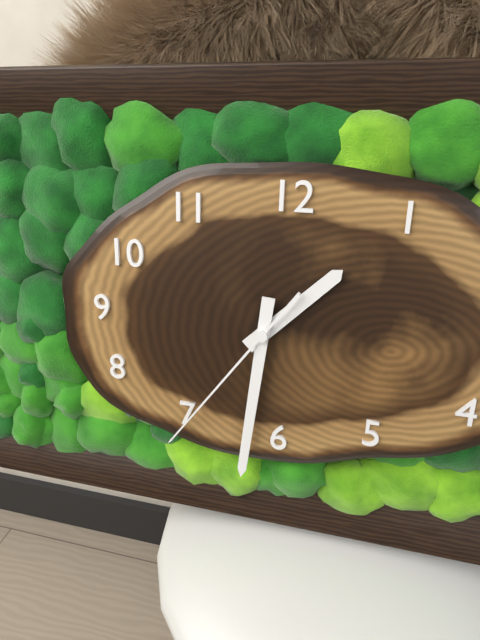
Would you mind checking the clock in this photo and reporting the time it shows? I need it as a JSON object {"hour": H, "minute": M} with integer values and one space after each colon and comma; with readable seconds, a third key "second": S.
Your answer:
{"hour": 1, "minute": 31, "second": 36}
